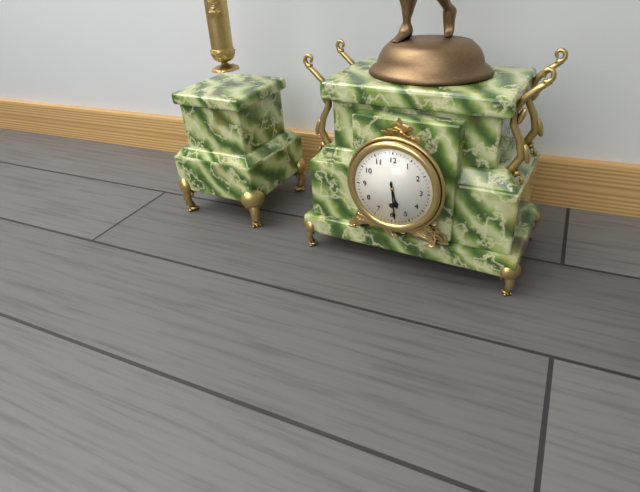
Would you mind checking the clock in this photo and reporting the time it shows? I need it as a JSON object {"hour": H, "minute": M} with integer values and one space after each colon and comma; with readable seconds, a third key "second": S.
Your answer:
{"hour": 5, "minute": 29}
